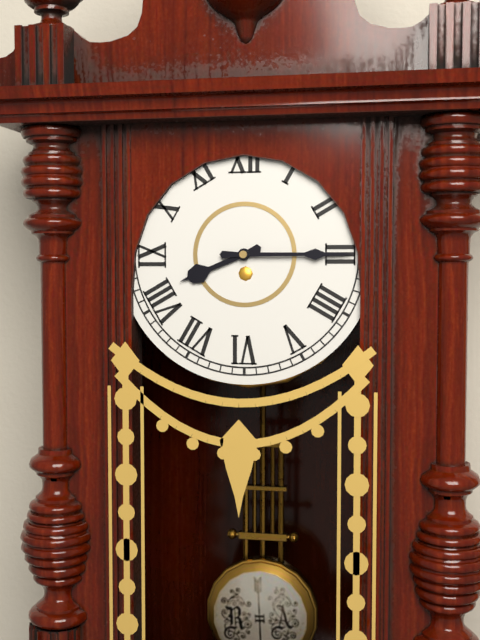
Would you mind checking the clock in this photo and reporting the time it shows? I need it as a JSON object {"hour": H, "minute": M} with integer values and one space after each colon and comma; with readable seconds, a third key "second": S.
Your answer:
{"hour": 8, "minute": 15}
